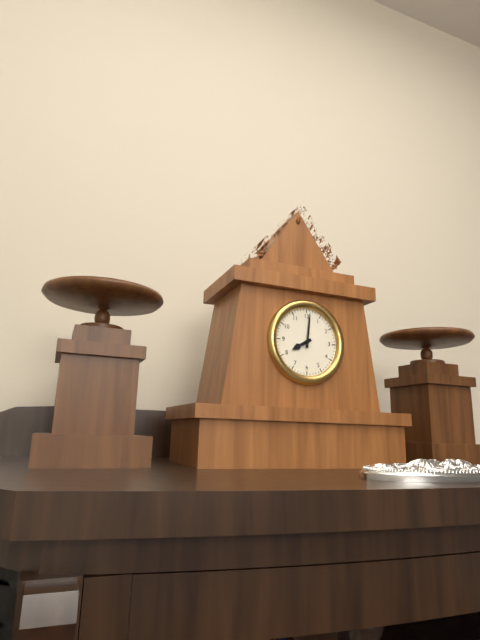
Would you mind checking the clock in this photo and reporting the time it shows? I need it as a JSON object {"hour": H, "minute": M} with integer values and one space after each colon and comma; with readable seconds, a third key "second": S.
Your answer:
{"hour": 8, "minute": 1}
